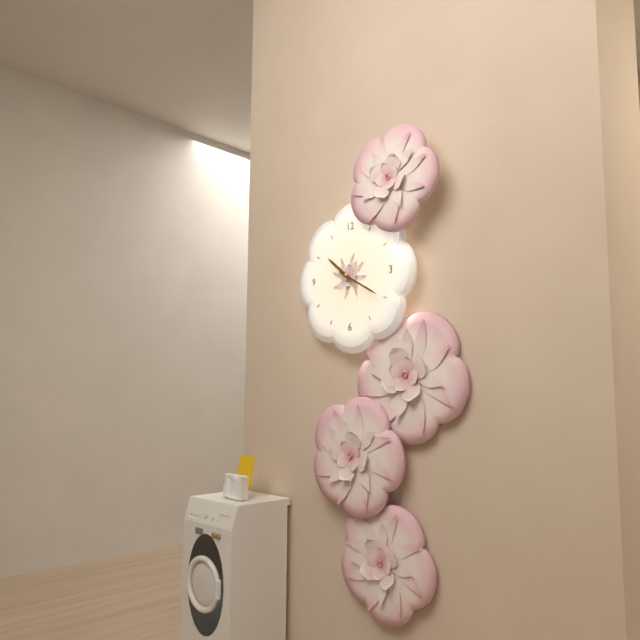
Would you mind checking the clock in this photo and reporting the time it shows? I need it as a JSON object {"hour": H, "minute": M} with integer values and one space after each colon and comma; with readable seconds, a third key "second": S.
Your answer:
{"hour": 10, "minute": 20}
